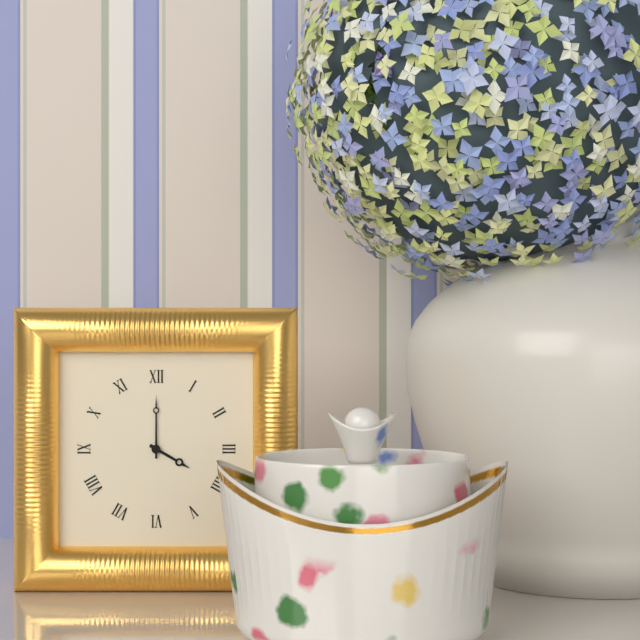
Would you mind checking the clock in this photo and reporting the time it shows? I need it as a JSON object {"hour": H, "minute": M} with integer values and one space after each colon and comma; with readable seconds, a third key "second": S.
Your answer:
{"hour": 4, "minute": 0}
